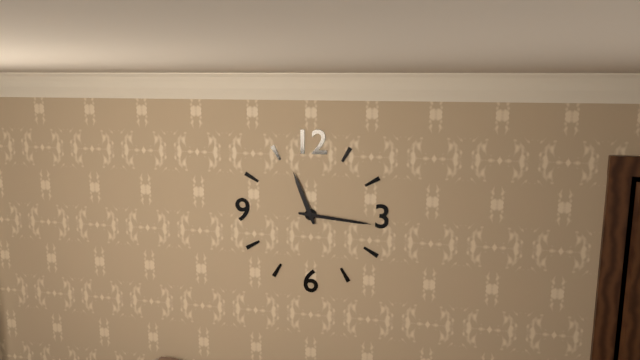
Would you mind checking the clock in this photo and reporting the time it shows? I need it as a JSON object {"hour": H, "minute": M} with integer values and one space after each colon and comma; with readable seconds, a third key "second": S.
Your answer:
{"hour": 11, "minute": 16}
